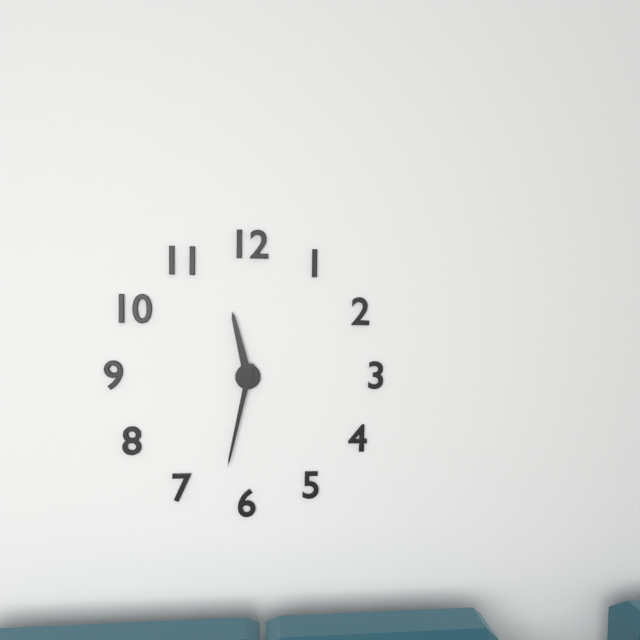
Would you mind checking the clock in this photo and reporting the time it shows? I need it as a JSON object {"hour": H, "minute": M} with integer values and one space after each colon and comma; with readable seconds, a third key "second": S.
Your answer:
{"hour": 11, "minute": 32}
